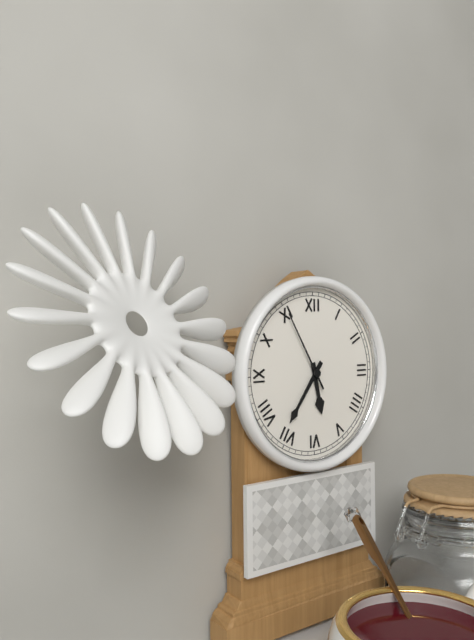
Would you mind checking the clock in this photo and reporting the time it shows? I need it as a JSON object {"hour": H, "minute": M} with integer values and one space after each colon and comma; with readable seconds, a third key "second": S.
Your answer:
{"hour": 5, "minute": 36, "second": 55}
